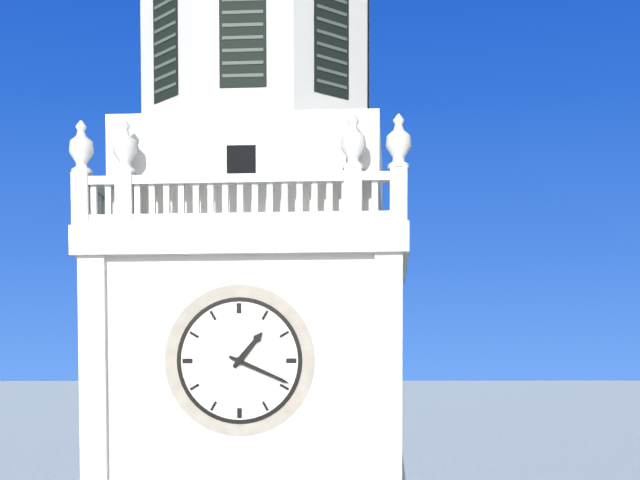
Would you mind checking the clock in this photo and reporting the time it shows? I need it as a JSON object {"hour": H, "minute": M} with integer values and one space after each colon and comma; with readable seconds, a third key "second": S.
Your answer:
{"hour": 1, "minute": 19}
